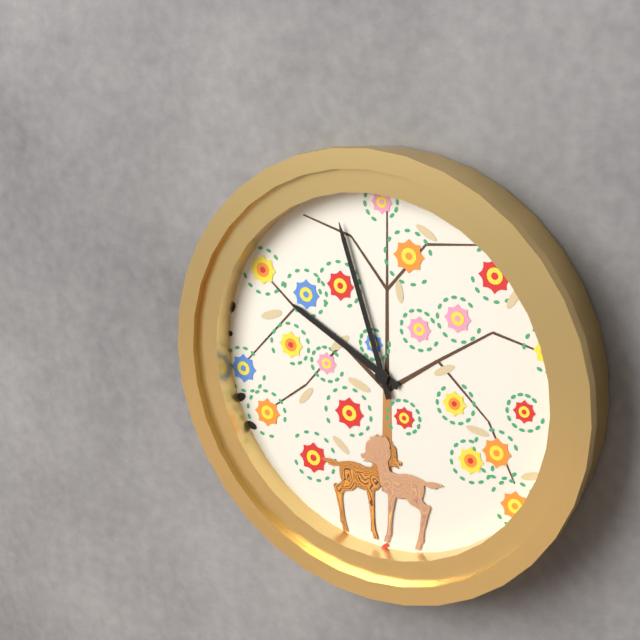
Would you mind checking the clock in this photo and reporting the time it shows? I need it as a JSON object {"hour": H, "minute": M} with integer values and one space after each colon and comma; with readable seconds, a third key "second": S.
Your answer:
{"hour": 9, "minute": 57}
